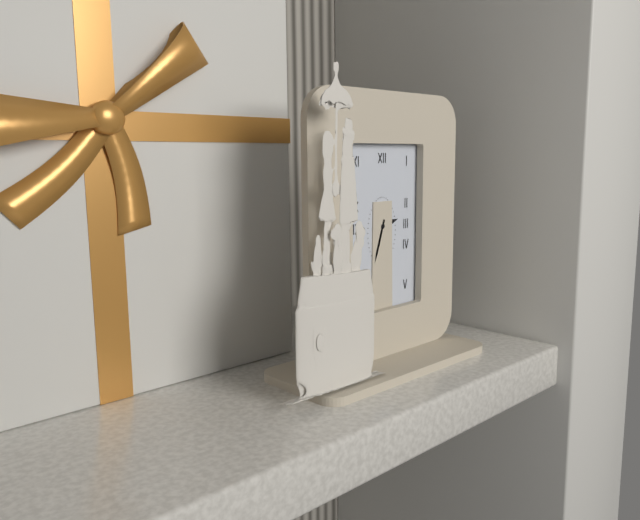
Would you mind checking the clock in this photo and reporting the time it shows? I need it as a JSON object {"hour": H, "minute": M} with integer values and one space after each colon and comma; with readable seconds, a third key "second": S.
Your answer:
{"hour": 2, "minute": 33}
